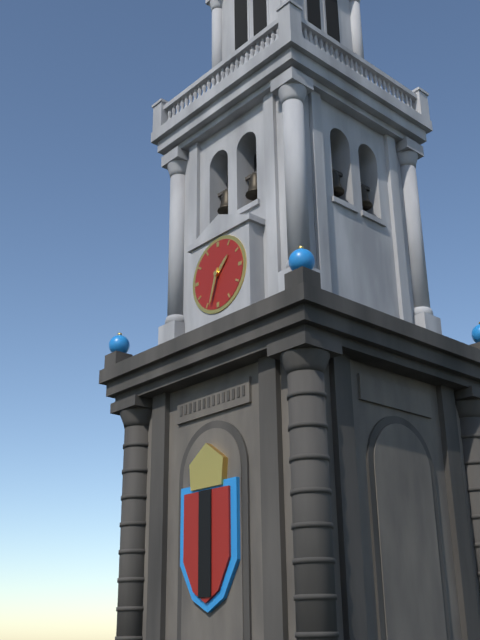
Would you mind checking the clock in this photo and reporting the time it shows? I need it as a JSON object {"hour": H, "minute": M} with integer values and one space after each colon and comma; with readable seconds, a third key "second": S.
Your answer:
{"hour": 1, "minute": 33}
